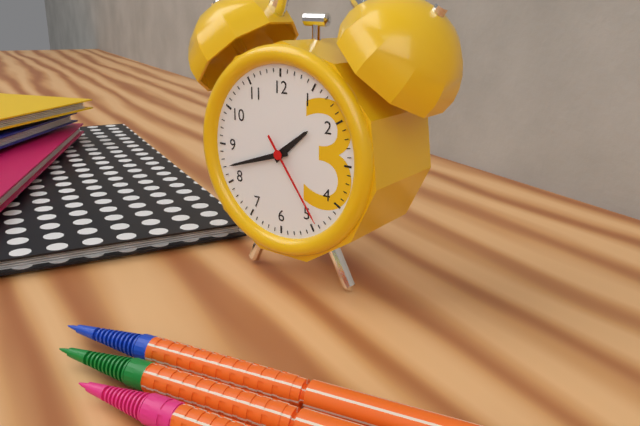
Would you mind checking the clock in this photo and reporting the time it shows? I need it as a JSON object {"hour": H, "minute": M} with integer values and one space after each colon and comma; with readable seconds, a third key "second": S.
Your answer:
{"hour": 1, "minute": 42, "second": 24}
